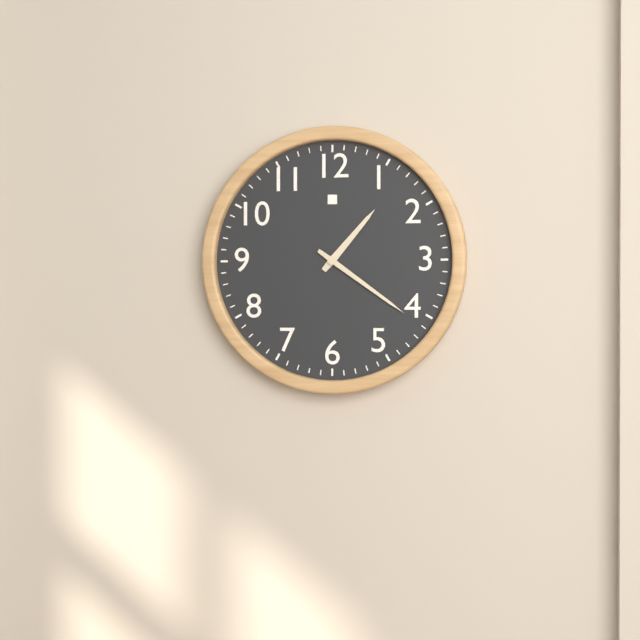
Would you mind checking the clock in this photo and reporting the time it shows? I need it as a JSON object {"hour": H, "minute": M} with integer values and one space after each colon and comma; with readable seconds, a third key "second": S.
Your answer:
{"hour": 1, "minute": 21}
